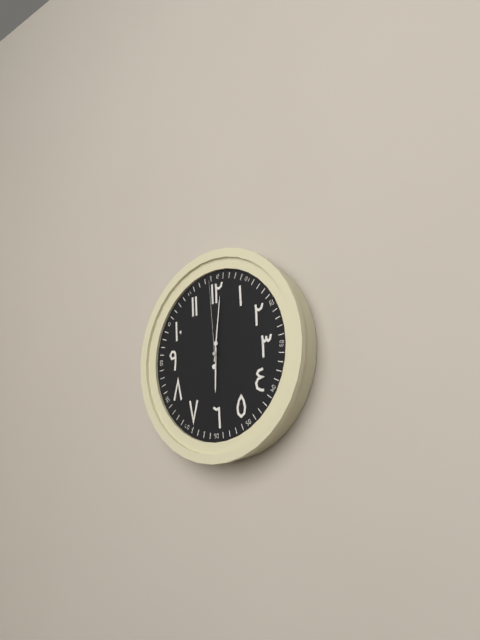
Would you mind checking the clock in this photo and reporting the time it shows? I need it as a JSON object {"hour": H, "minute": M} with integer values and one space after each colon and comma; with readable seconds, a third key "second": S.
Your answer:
{"hour": 6, "minute": 1, "second": 59}
